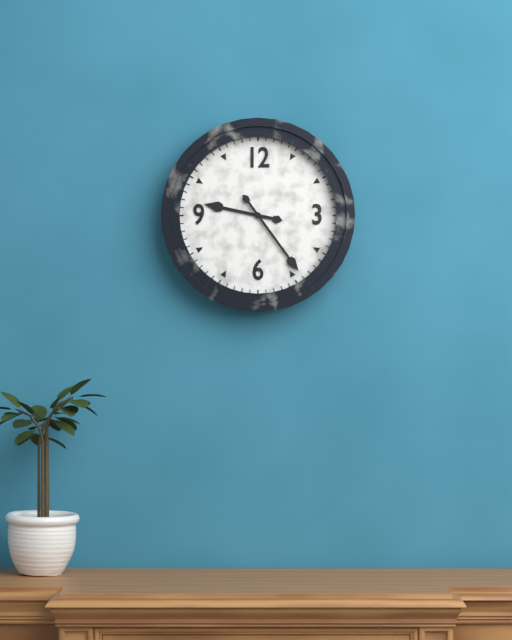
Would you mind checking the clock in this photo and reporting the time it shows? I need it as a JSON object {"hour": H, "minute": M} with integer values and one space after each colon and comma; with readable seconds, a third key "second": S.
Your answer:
{"hour": 9, "minute": 24}
